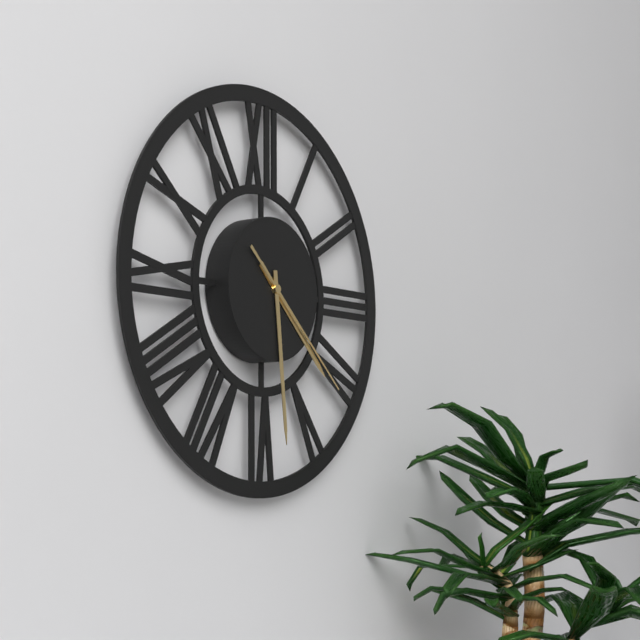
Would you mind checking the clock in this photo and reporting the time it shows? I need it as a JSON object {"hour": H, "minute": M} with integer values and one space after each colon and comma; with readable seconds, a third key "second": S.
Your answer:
{"hour": 4, "minute": 29, "second": 22}
